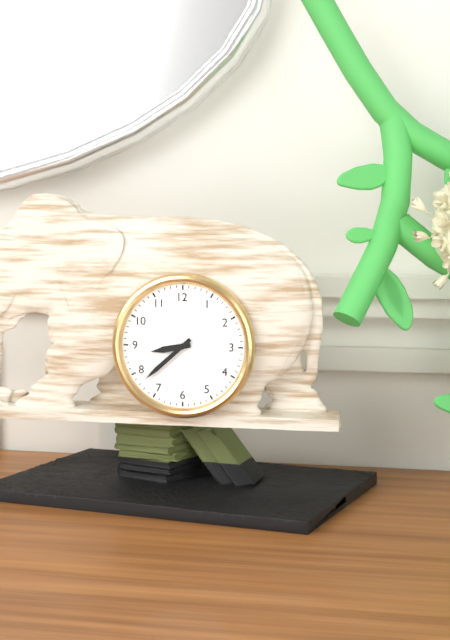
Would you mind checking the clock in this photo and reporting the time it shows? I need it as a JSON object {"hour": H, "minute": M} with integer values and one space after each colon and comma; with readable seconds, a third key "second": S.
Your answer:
{"hour": 8, "minute": 38}
